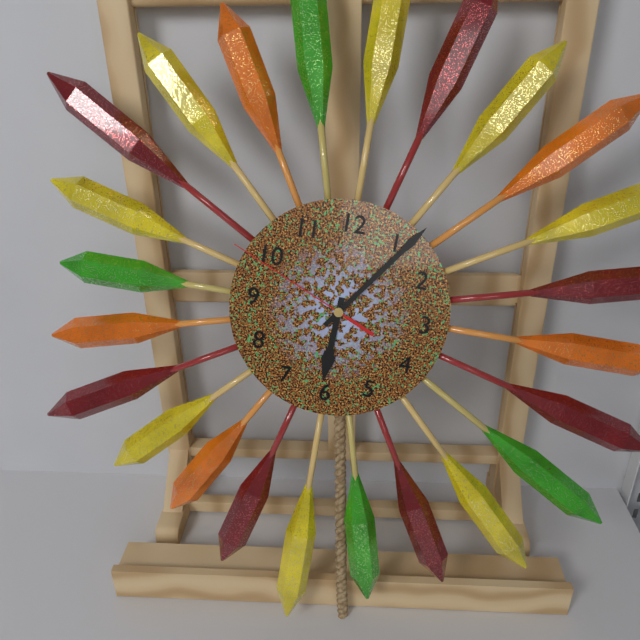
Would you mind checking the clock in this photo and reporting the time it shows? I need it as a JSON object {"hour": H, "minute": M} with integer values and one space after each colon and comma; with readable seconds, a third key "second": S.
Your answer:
{"hour": 6, "minute": 6, "second": 49}
